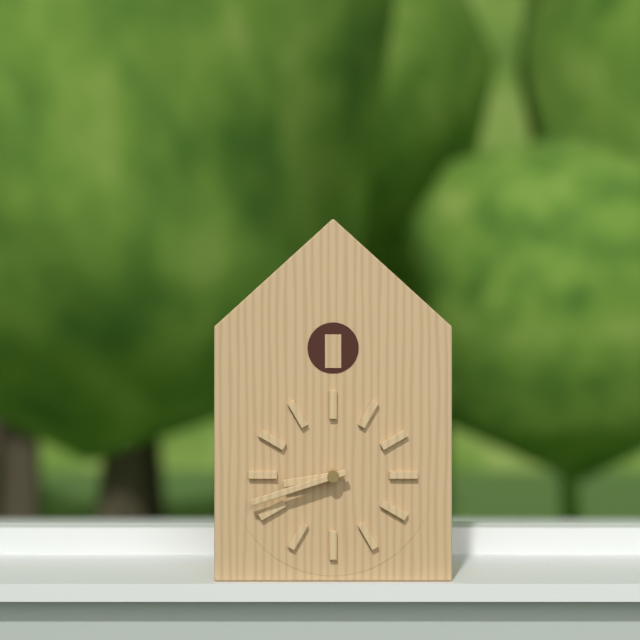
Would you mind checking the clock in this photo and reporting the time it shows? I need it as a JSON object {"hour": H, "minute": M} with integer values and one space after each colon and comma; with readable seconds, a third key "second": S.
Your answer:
{"hour": 8, "minute": 42}
